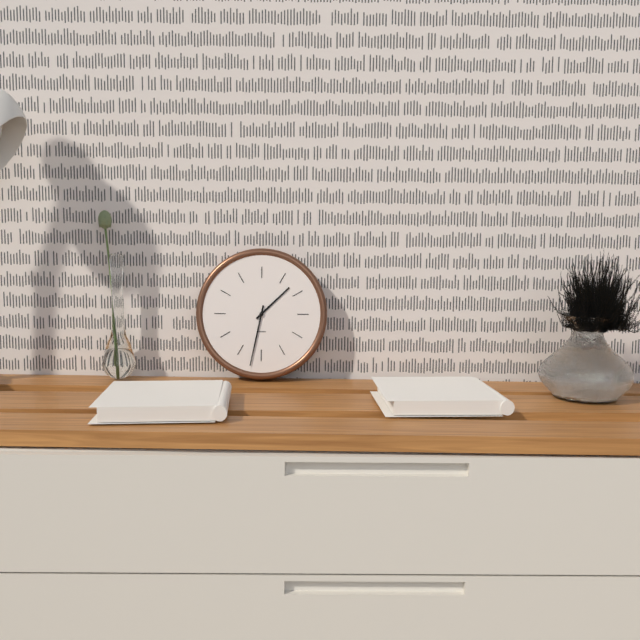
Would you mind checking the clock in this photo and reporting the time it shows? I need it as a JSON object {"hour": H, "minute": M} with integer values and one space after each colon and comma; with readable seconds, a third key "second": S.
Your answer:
{"hour": 1, "minute": 32}
